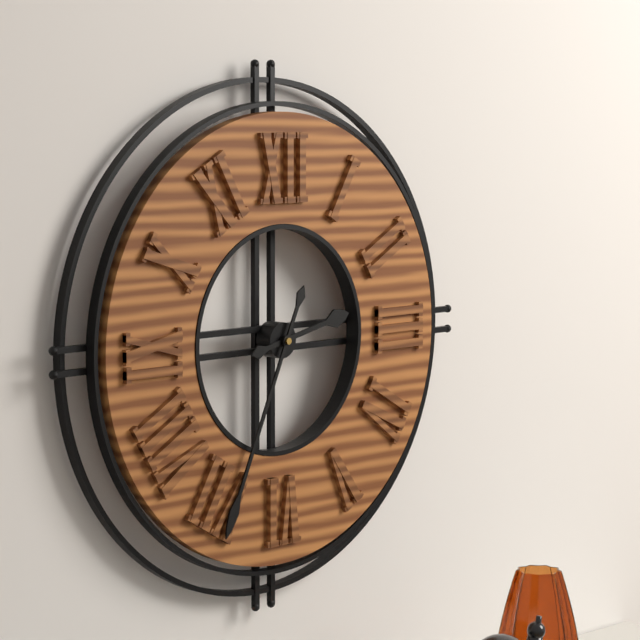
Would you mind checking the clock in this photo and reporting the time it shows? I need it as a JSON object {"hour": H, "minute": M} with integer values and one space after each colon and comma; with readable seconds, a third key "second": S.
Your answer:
{"hour": 2, "minute": 34}
